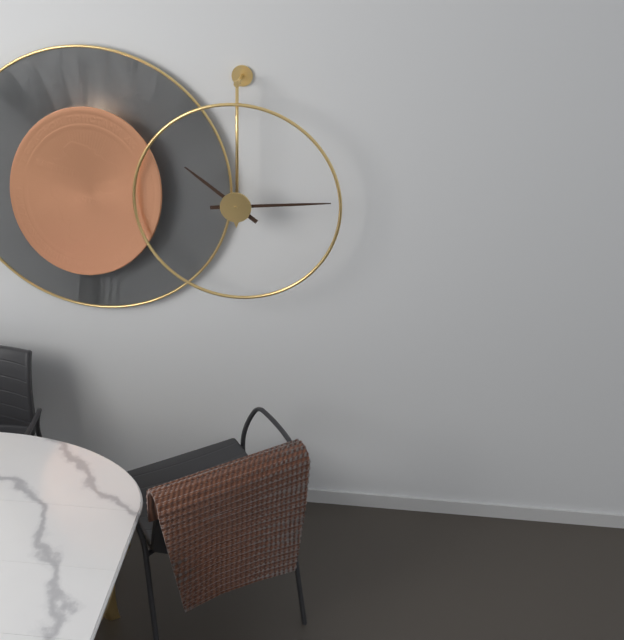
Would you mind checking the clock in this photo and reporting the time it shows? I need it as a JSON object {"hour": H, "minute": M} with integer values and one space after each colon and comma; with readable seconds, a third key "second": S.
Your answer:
{"hour": 10, "minute": 14}
